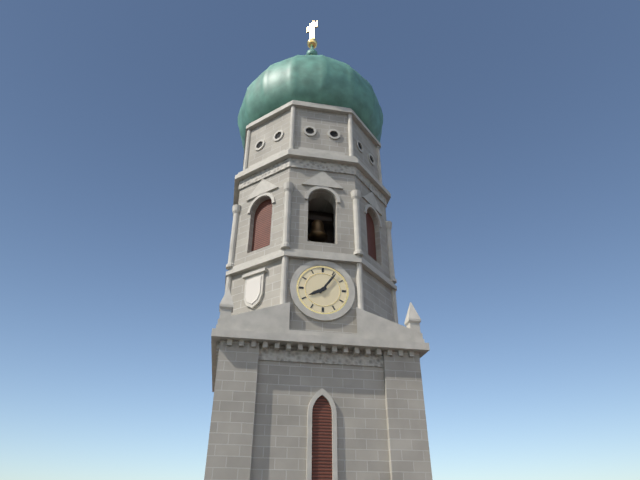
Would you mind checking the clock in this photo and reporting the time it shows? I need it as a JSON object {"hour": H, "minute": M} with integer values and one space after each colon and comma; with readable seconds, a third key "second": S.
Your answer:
{"hour": 8, "minute": 6}
